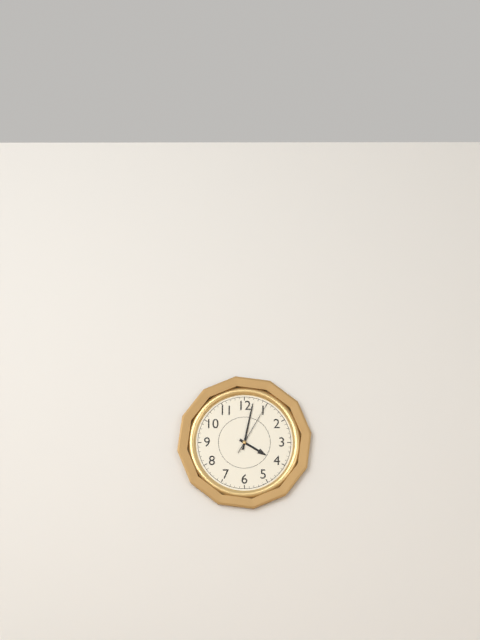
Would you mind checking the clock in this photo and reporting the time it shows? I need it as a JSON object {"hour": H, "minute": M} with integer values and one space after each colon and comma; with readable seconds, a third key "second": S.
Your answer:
{"hour": 4, "minute": 2, "second": 5}
